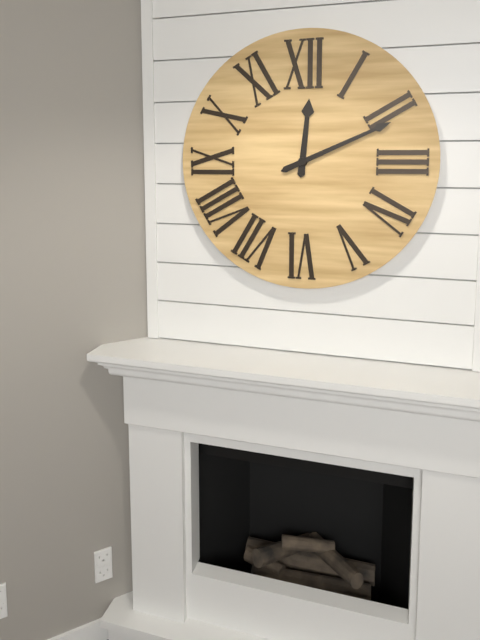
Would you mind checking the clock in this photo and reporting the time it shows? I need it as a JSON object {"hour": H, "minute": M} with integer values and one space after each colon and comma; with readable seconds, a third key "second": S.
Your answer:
{"hour": 12, "minute": 11}
